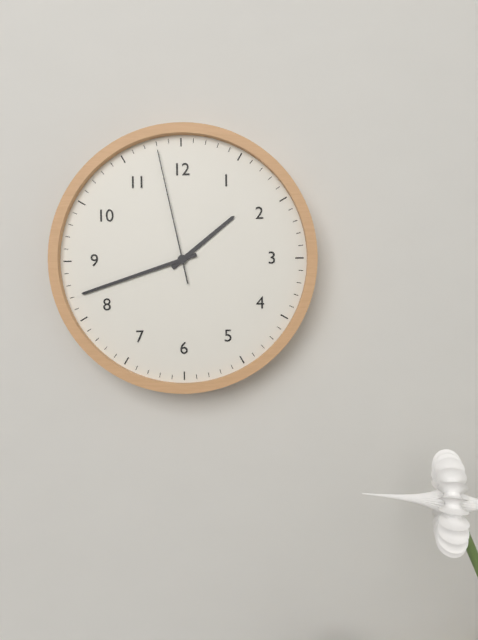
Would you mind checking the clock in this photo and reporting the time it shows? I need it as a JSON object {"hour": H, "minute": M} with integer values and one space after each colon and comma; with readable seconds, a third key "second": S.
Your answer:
{"hour": 1, "minute": 42, "second": 58}
